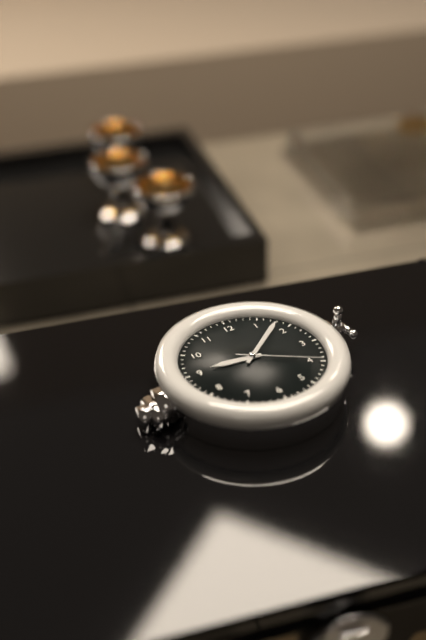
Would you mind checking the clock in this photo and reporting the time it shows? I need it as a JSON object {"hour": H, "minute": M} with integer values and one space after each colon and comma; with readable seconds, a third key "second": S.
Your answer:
{"hour": 9, "minute": 8, "second": 20}
